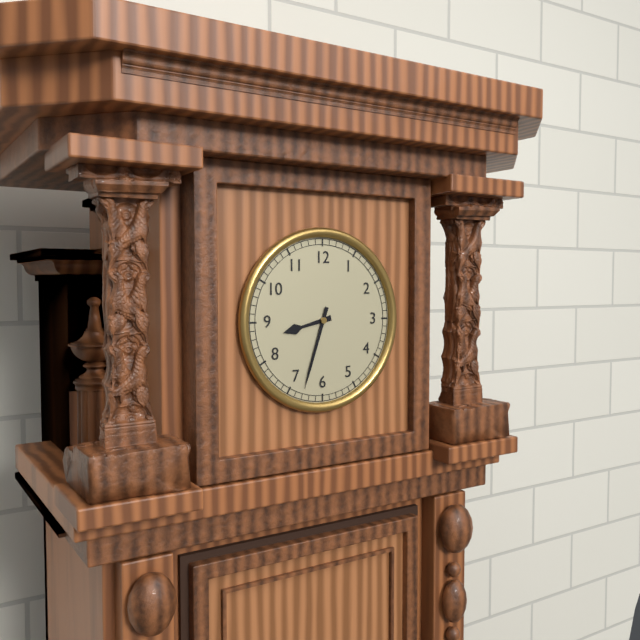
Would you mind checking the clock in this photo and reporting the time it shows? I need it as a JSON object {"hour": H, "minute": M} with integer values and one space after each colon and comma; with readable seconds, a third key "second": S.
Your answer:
{"hour": 8, "minute": 33}
